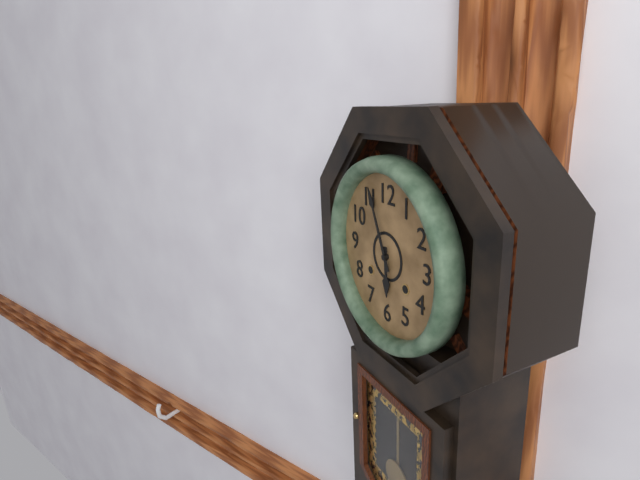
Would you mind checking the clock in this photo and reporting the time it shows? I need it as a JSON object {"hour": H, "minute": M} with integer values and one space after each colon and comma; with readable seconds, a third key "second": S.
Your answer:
{"hour": 5, "minute": 56}
